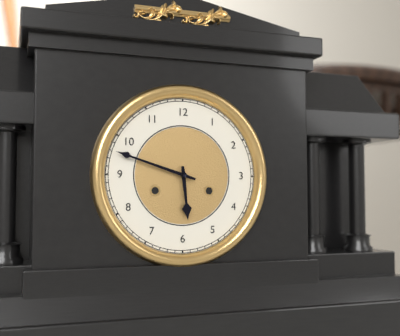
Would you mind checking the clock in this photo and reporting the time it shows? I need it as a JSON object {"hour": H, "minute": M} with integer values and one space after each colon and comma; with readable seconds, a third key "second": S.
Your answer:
{"hour": 5, "minute": 48}
